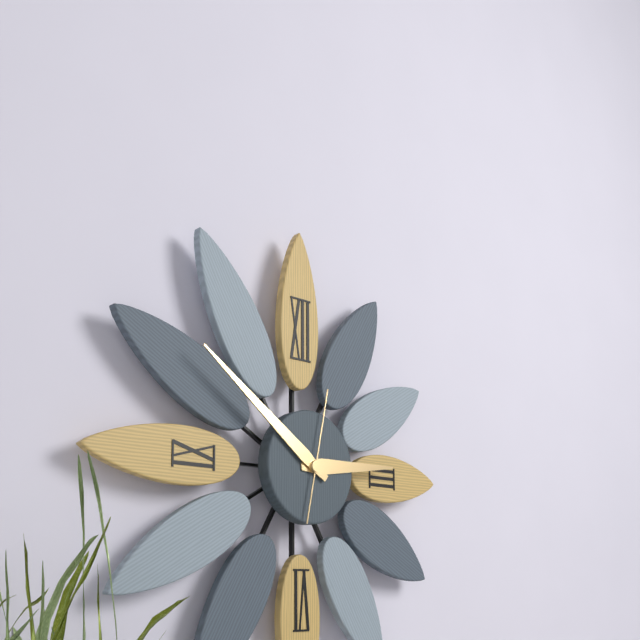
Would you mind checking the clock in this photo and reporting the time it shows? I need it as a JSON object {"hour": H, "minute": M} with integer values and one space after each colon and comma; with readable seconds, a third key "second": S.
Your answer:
{"hour": 2, "minute": 51, "second": 2}
